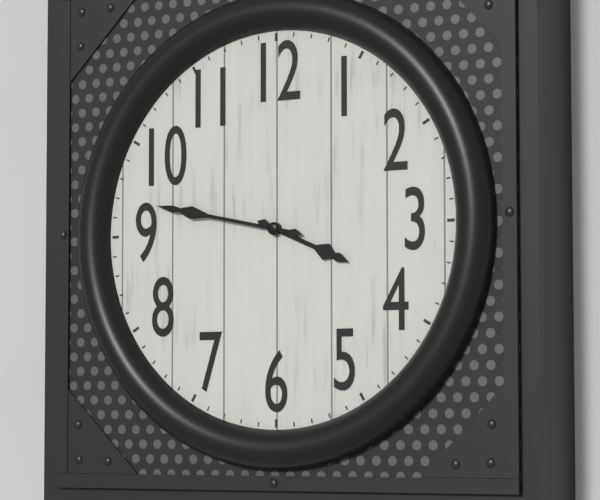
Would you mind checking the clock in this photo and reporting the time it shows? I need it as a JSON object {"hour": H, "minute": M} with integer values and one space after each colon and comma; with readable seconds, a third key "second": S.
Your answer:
{"hour": 3, "minute": 47}
